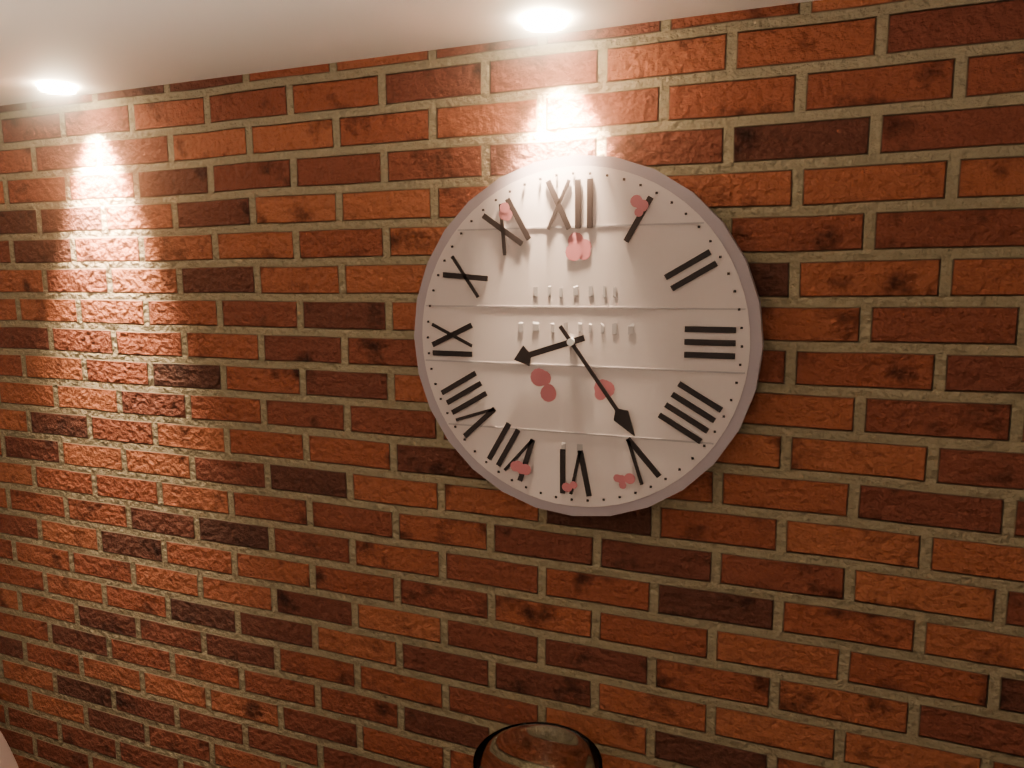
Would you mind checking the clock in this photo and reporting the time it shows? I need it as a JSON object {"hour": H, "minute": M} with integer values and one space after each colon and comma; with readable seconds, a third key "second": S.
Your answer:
{"hour": 8, "minute": 24}
